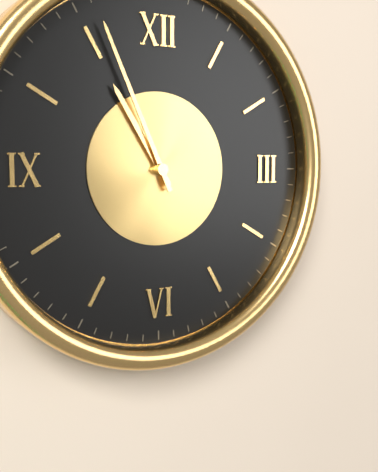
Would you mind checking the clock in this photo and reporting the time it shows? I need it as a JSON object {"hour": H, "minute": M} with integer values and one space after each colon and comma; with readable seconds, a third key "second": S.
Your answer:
{"hour": 10, "minute": 56}
